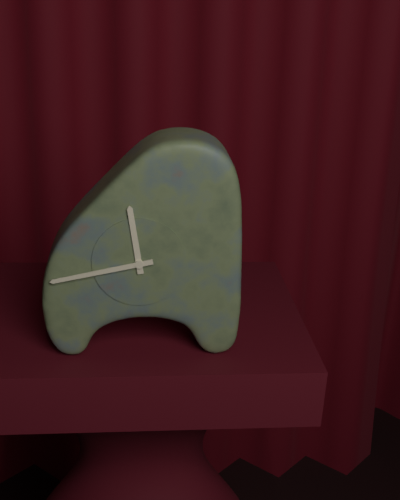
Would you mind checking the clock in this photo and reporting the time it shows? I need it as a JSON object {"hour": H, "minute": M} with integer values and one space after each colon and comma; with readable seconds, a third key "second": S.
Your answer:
{"hour": 11, "minute": 43}
